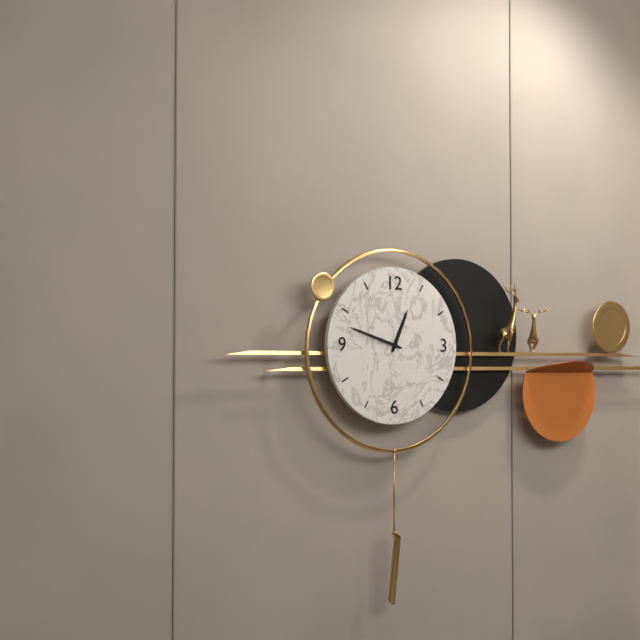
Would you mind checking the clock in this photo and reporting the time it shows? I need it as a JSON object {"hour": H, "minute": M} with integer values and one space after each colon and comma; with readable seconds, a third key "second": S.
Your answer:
{"hour": 12, "minute": 48}
